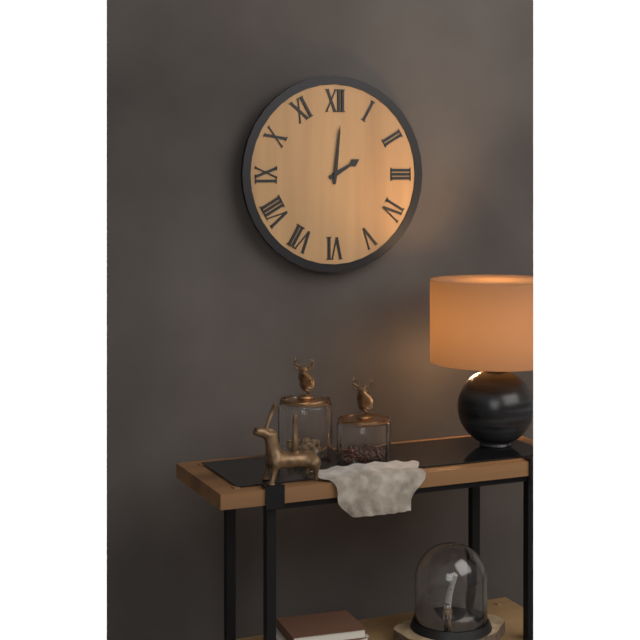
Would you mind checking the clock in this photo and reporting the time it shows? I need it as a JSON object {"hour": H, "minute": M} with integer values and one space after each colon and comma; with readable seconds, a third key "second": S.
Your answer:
{"hour": 2, "minute": 1}
